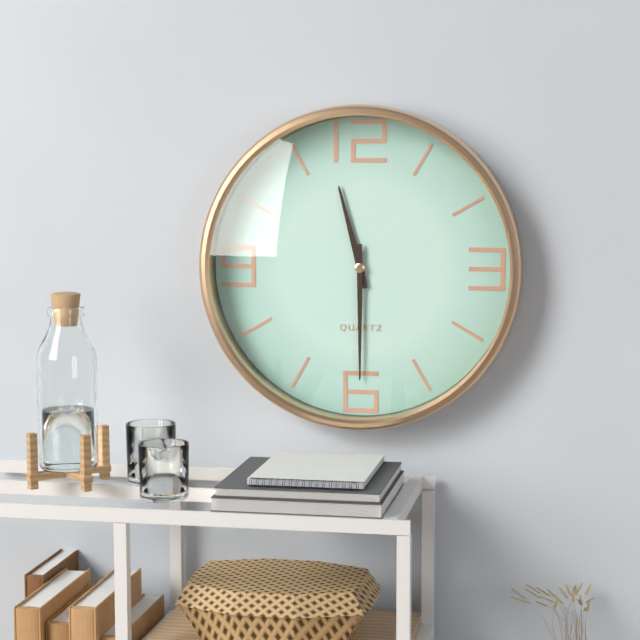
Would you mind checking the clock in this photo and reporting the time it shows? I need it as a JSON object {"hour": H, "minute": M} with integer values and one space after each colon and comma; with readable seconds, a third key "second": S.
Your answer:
{"hour": 11, "minute": 30}
